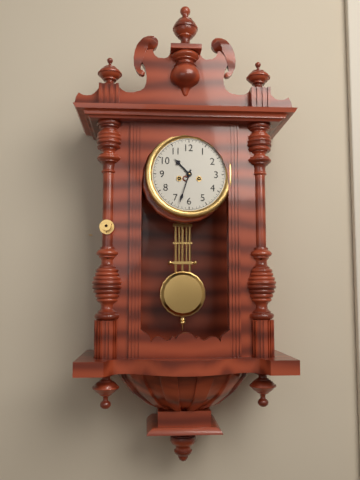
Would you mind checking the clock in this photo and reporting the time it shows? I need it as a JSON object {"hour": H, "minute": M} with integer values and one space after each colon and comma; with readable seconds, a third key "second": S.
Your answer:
{"hour": 10, "minute": 33}
